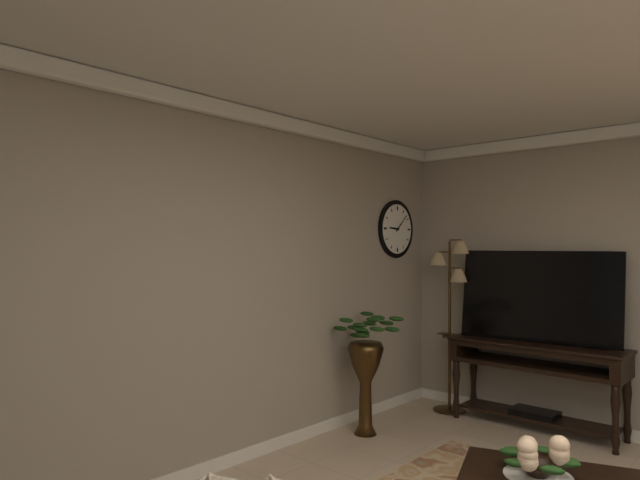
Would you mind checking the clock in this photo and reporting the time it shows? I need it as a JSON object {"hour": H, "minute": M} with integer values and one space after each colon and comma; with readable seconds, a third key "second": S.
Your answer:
{"hour": 9, "minute": 8}
